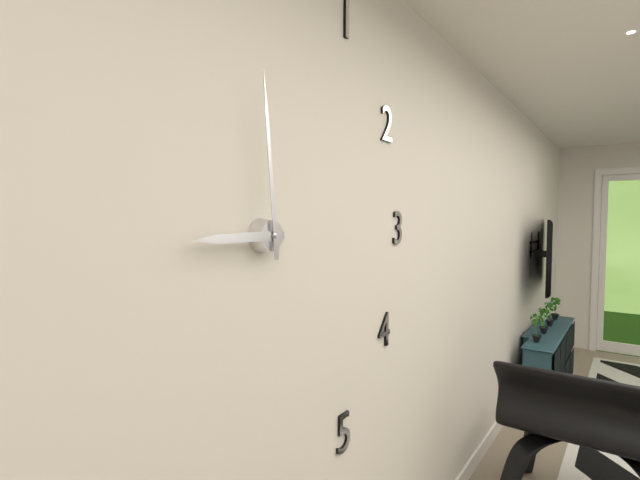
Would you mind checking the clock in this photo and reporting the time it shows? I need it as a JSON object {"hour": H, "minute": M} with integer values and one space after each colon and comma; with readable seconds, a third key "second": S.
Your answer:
{"hour": 8, "minute": 59}
